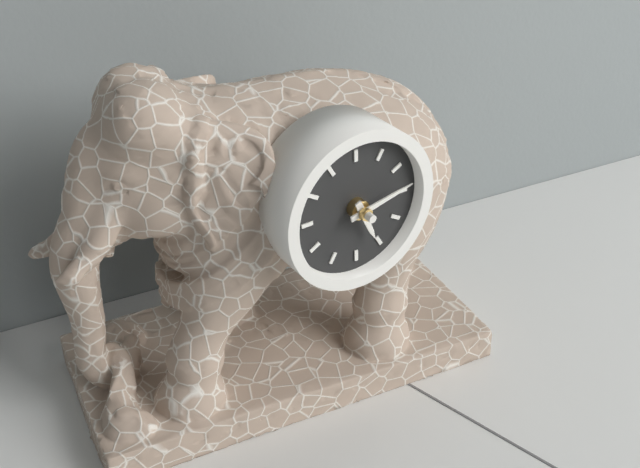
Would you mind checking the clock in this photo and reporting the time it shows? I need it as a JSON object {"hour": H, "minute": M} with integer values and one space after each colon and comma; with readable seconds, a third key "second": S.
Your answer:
{"hour": 5, "minute": 13}
